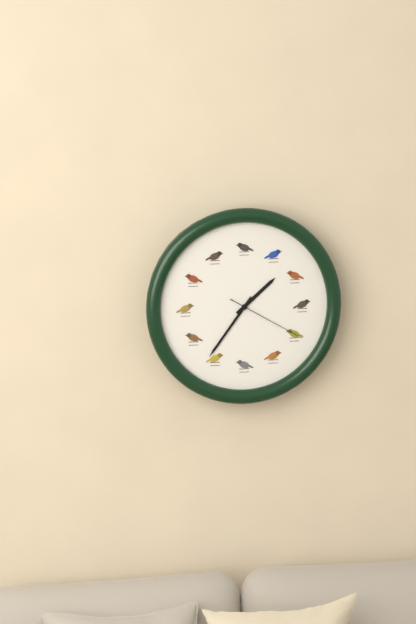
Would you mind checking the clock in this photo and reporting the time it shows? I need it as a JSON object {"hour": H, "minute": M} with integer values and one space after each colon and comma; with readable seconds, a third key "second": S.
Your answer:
{"hour": 1, "minute": 36, "second": 20}
